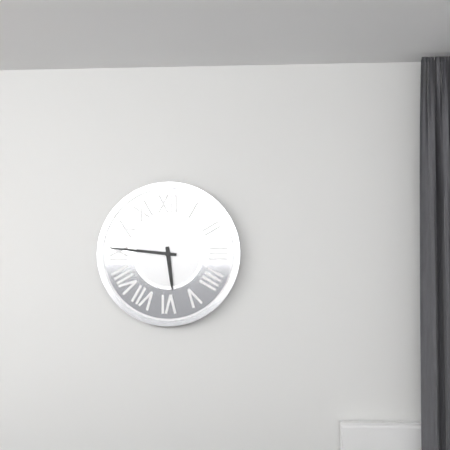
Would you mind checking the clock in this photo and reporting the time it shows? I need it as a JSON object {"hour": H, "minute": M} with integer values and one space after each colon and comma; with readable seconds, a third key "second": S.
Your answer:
{"hour": 5, "minute": 46}
